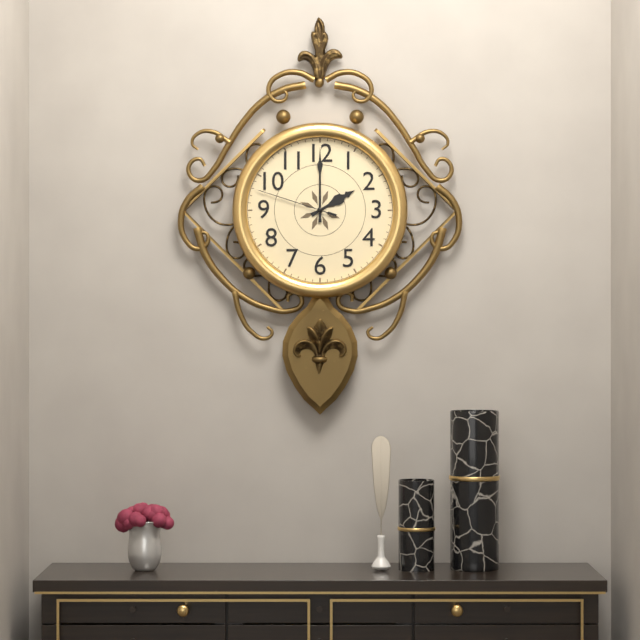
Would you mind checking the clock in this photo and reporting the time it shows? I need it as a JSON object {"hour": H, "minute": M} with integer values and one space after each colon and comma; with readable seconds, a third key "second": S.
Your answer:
{"hour": 2, "minute": 0, "second": 48}
